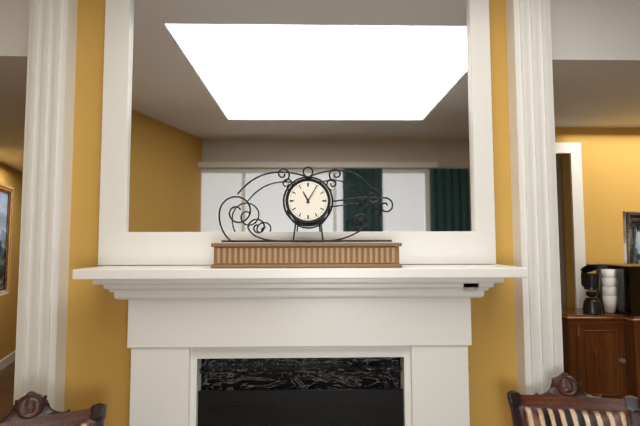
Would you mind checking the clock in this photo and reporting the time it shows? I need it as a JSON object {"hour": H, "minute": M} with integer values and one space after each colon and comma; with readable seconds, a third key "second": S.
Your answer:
{"hour": 11, "minute": 5}
